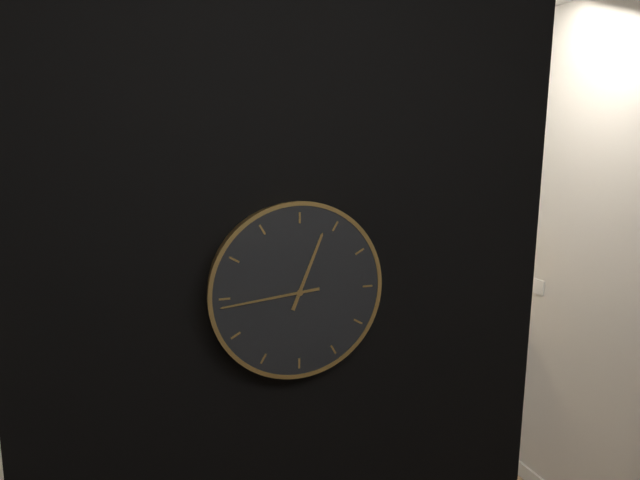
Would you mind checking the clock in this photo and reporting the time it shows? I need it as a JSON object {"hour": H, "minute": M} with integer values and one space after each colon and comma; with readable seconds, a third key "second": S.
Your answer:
{"hour": 12, "minute": 44}
